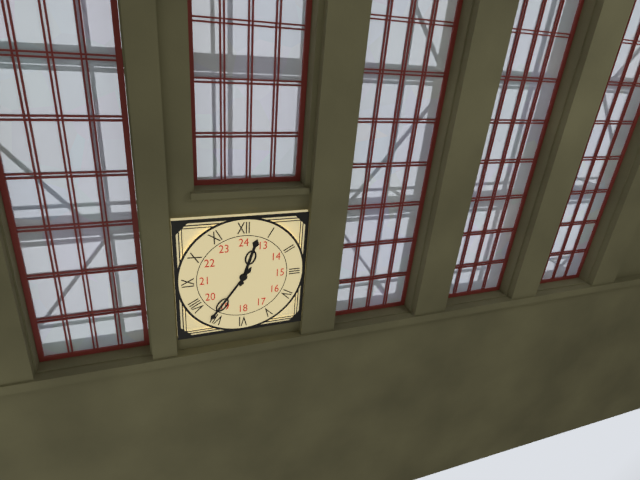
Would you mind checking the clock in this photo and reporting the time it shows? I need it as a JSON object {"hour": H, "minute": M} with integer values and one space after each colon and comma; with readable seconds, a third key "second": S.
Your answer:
{"hour": 12, "minute": 36}
